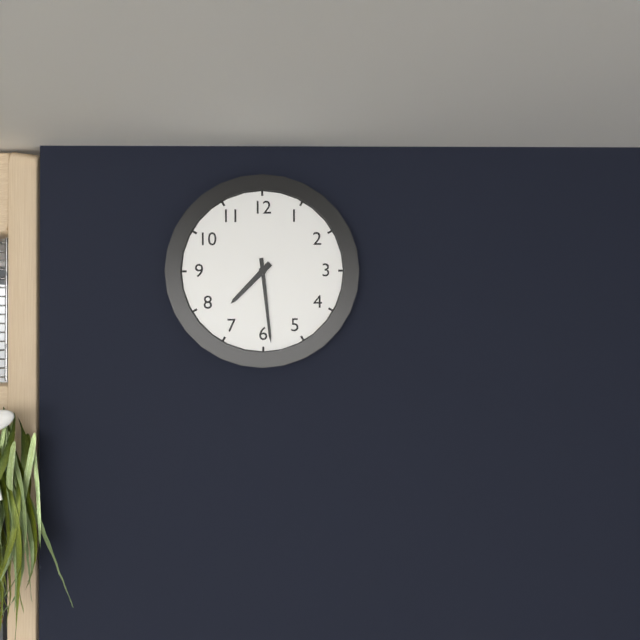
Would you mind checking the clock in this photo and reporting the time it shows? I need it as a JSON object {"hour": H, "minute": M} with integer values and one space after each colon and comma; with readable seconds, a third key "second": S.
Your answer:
{"hour": 7, "minute": 29}
